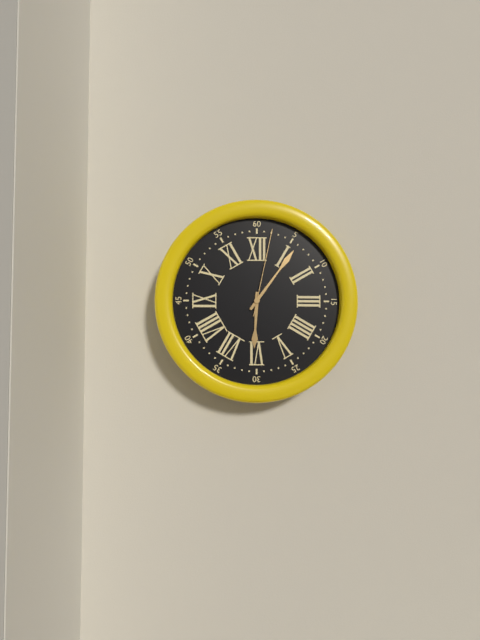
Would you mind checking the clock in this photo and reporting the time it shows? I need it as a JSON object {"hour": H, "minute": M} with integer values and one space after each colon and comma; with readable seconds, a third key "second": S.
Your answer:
{"hour": 6, "minute": 6, "second": 2}
